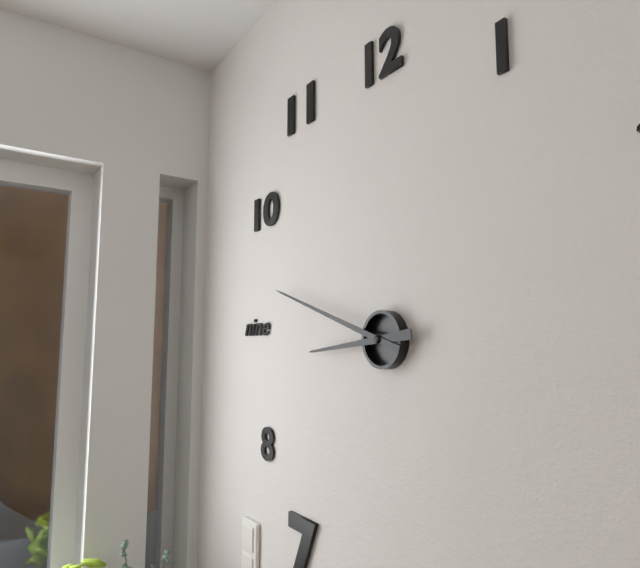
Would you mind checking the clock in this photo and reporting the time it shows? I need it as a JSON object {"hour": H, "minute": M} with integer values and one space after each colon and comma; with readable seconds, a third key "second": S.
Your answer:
{"hour": 8, "minute": 48}
